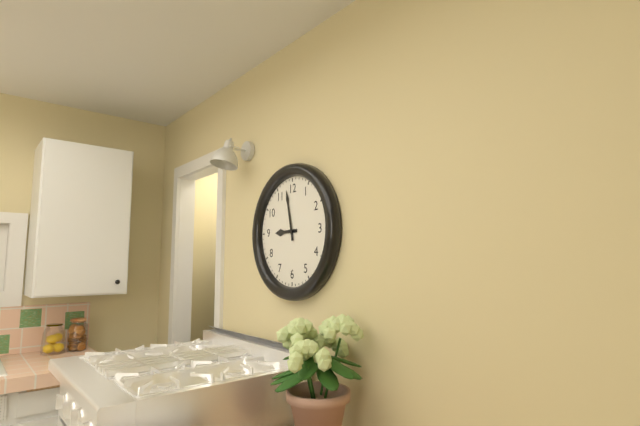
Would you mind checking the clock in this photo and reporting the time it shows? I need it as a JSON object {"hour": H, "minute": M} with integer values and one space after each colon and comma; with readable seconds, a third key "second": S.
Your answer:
{"hour": 8, "minute": 58}
